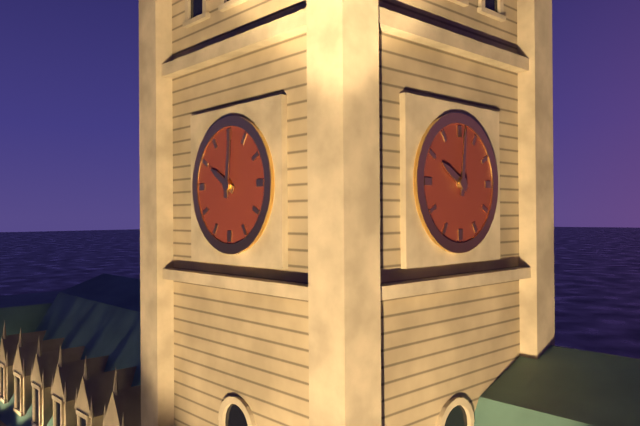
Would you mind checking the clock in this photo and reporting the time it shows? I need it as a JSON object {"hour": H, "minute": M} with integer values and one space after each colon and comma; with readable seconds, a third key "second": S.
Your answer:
{"hour": 10, "minute": 1}
